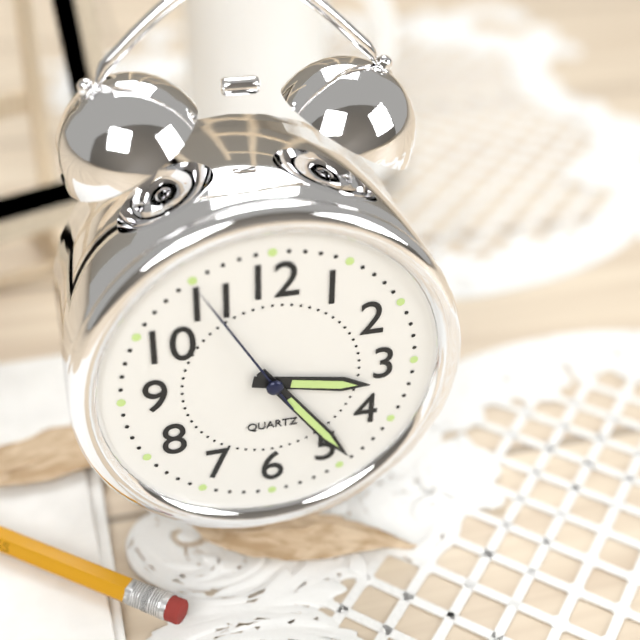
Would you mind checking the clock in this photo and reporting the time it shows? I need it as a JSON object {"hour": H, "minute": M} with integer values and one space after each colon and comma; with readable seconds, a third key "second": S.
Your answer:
{"hour": 3, "minute": 24, "second": 55}
